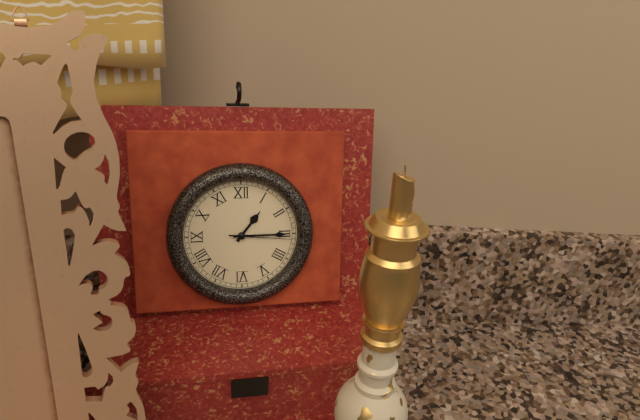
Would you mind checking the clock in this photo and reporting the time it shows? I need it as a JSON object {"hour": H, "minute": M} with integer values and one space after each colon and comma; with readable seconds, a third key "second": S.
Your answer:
{"hour": 1, "minute": 15, "second": 16}
